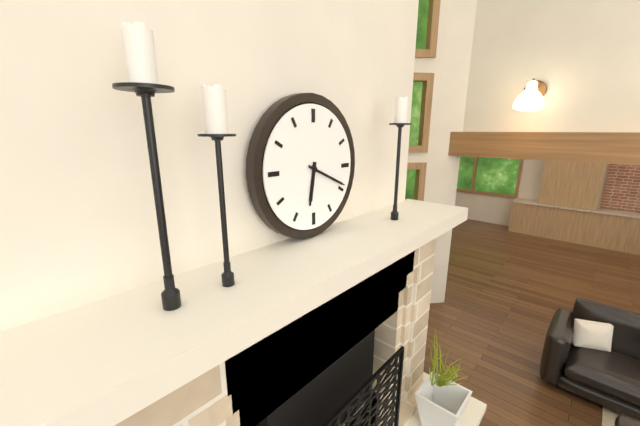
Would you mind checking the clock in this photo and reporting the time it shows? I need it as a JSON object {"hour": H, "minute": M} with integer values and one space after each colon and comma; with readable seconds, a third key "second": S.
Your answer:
{"hour": 6, "minute": 19}
